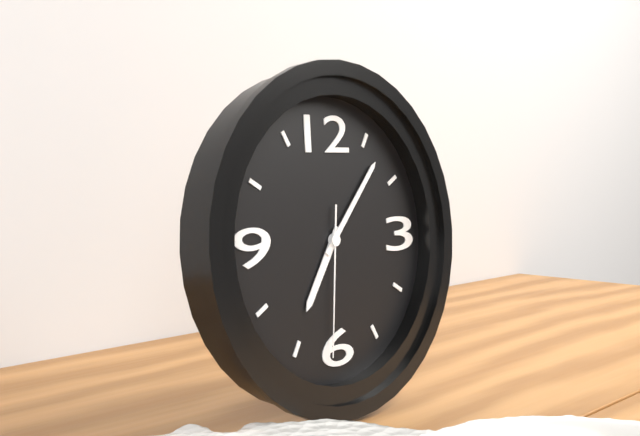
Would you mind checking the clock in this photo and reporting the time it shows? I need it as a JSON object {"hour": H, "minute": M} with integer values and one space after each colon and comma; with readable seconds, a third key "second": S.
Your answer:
{"hour": 7, "minute": 7, "second": 31}
